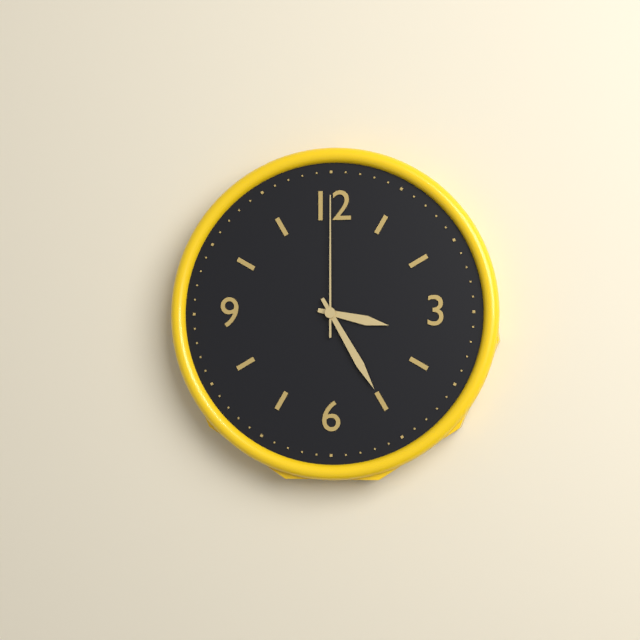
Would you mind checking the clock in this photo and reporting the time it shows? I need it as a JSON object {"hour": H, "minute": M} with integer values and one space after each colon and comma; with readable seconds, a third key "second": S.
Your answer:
{"hour": 3, "minute": 25, "second": 0}
